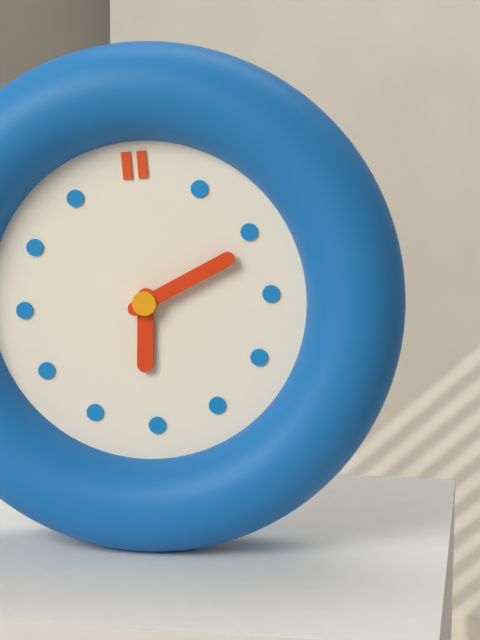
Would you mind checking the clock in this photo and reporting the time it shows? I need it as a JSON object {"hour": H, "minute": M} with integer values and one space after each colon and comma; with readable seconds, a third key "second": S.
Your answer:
{"hour": 6, "minute": 11}
